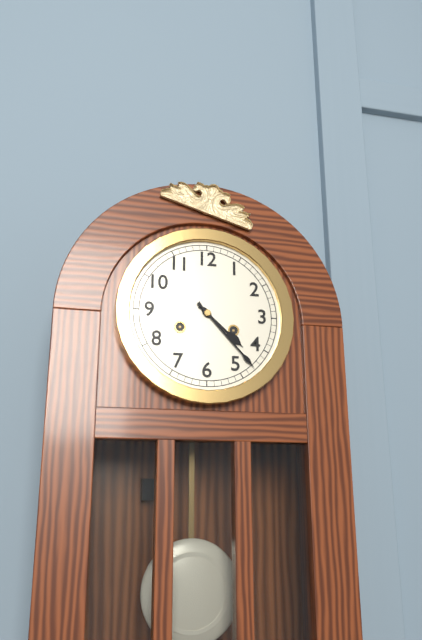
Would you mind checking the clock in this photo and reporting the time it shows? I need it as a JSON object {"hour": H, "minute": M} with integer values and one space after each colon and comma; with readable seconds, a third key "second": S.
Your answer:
{"hour": 4, "minute": 23}
